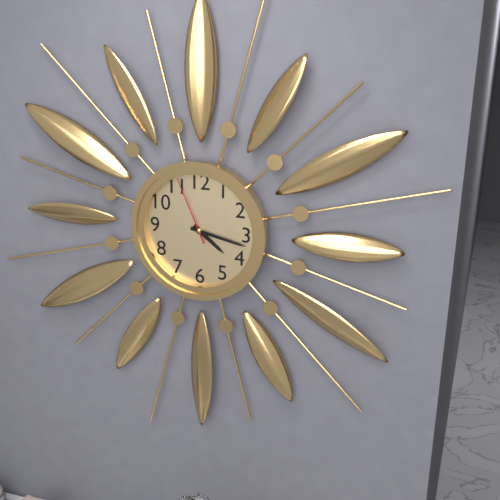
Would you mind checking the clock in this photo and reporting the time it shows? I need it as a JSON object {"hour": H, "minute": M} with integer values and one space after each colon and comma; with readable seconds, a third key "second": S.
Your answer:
{"hour": 4, "minute": 17, "second": 56}
